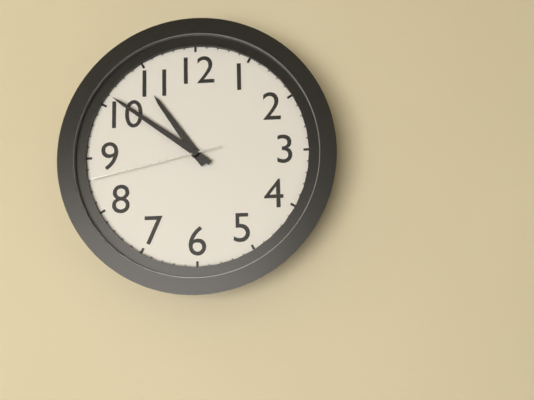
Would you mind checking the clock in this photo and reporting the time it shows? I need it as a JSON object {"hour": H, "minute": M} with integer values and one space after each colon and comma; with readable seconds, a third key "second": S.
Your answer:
{"hour": 10, "minute": 51, "second": 43}
